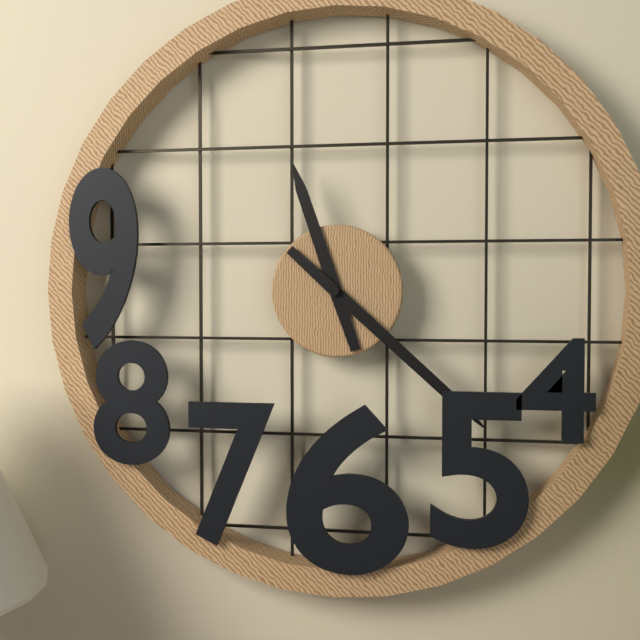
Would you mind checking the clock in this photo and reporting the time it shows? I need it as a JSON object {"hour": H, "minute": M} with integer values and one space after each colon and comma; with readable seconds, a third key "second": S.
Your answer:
{"hour": 11, "minute": 22}
